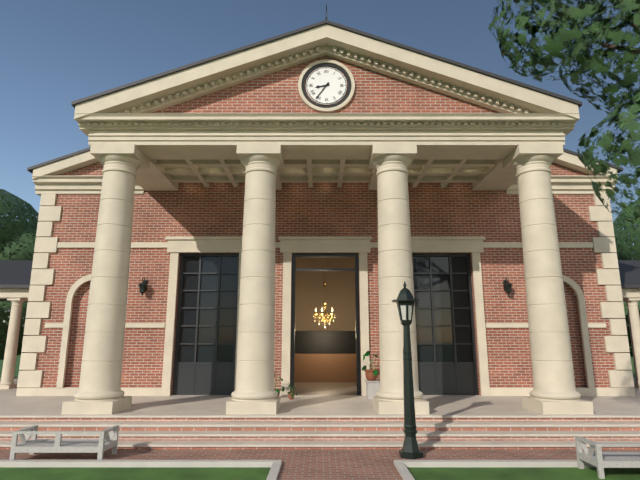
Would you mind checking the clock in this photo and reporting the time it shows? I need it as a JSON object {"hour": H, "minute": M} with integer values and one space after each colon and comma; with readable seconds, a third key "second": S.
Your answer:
{"hour": 8, "minute": 36}
